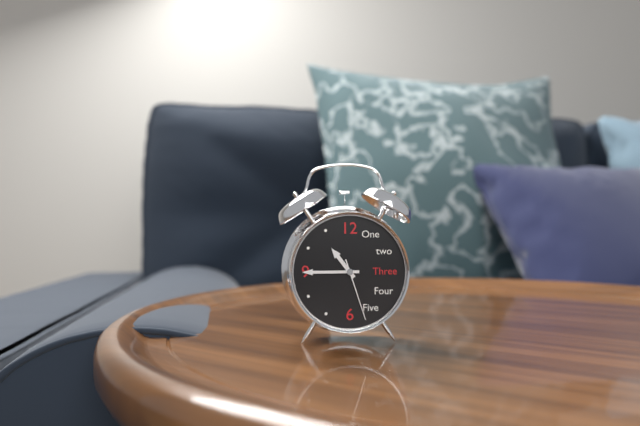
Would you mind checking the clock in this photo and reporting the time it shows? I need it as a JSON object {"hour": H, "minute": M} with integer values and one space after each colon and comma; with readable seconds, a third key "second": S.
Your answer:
{"hour": 10, "minute": 45, "second": 27}
